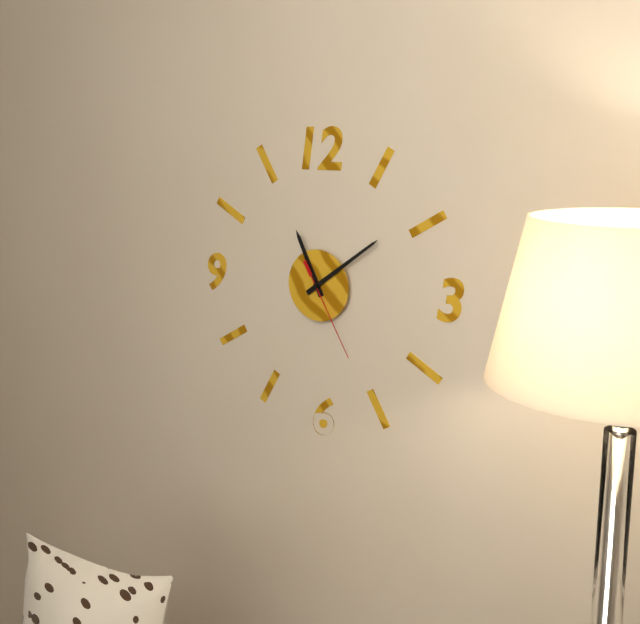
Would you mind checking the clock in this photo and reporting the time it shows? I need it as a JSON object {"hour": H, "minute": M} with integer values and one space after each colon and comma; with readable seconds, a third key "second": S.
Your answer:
{"hour": 11, "minute": 9, "second": 25}
